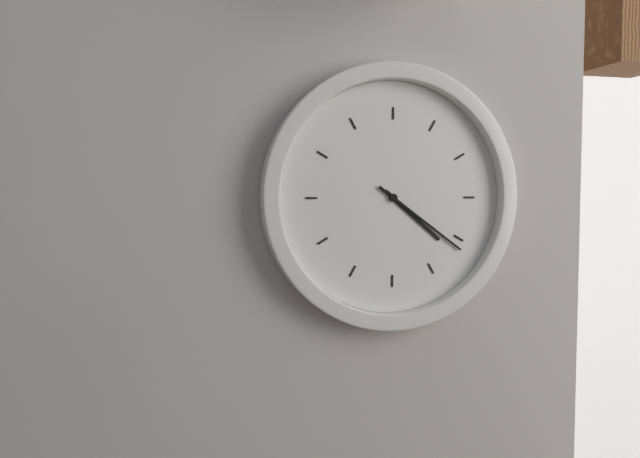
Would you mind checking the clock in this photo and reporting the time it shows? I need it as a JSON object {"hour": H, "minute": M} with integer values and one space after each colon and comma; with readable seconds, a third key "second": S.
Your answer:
{"hour": 4, "minute": 21}
